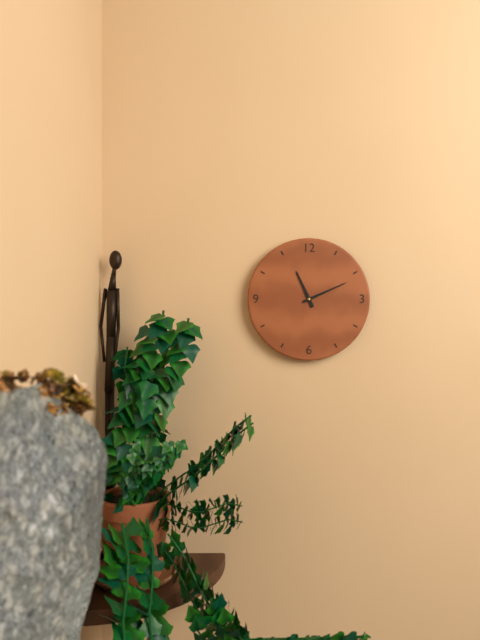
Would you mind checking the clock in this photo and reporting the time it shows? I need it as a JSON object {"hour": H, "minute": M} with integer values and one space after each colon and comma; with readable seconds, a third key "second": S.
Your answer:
{"hour": 11, "minute": 11}
